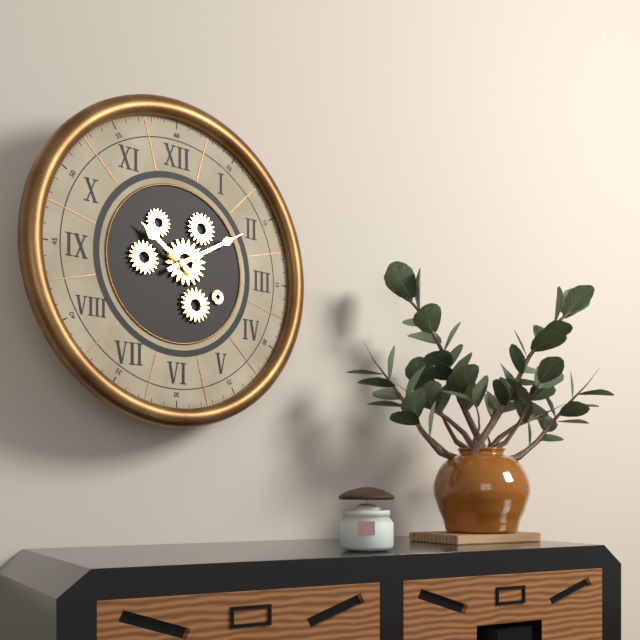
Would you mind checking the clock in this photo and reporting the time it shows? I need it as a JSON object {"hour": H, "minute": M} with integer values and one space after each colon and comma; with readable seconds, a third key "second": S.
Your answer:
{"hour": 10, "minute": 10}
